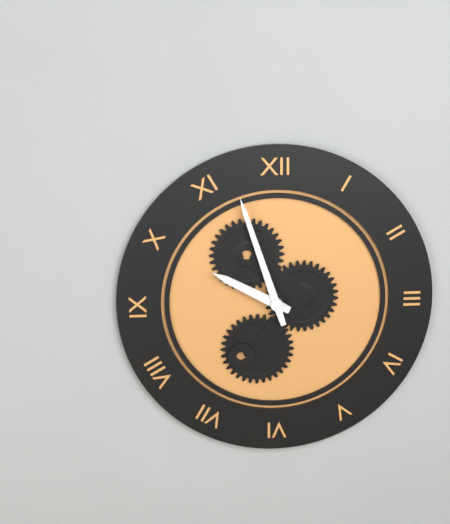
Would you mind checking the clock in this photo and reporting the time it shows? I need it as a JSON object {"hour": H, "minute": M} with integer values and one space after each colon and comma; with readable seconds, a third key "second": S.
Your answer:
{"hour": 9, "minute": 57}
